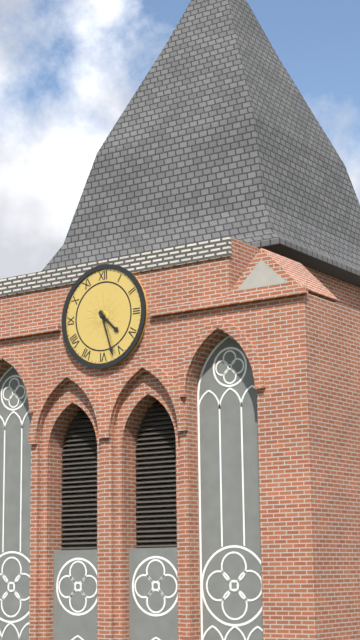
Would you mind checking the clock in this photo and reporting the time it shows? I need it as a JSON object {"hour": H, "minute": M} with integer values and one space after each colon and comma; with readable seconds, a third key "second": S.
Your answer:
{"hour": 4, "minute": 27}
